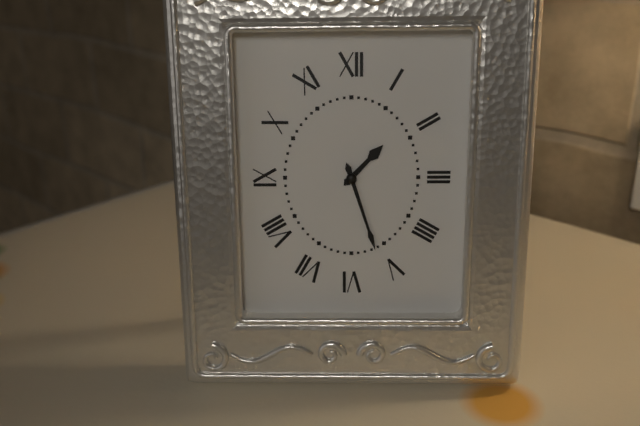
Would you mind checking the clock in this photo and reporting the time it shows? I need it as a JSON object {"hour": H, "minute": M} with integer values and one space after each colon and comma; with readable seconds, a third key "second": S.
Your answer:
{"hour": 1, "minute": 27}
